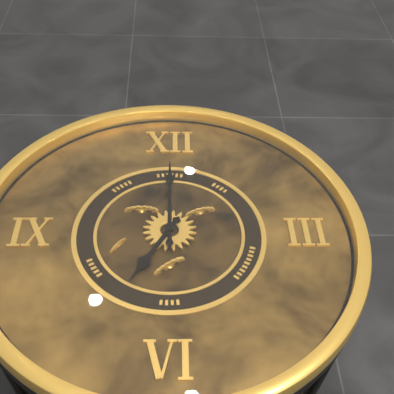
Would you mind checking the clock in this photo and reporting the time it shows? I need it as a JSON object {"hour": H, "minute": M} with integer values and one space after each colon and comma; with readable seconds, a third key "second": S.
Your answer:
{"hour": 7, "minute": 0}
